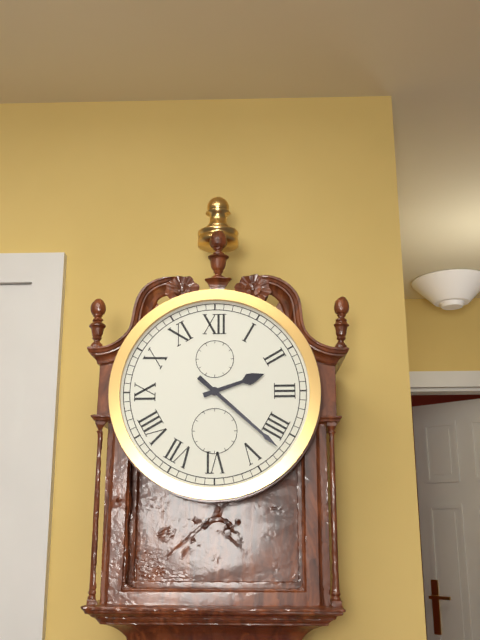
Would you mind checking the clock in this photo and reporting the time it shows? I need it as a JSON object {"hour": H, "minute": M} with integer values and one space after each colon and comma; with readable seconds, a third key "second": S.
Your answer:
{"hour": 2, "minute": 22}
